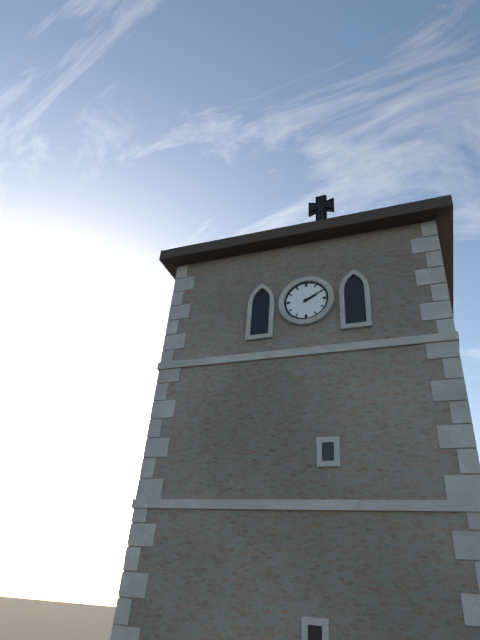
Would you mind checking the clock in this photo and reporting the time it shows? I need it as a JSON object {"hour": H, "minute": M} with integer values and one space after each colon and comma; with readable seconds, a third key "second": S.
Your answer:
{"hour": 2, "minute": 10}
